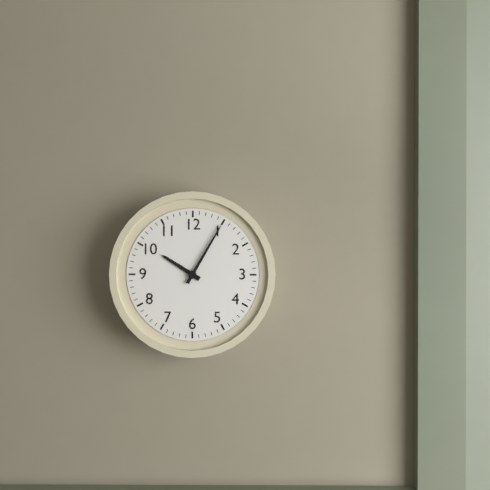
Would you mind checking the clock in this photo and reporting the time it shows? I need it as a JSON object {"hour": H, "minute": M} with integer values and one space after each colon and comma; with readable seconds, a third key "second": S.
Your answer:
{"hour": 10, "minute": 5}
